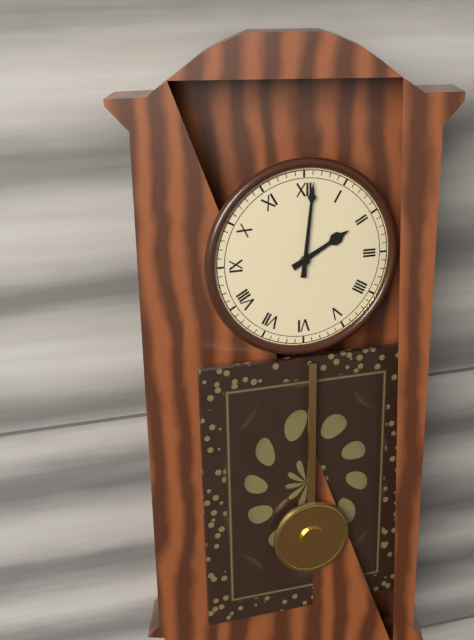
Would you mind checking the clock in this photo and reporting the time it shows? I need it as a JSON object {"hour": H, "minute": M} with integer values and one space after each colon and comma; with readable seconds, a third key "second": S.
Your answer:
{"hour": 2, "minute": 1}
